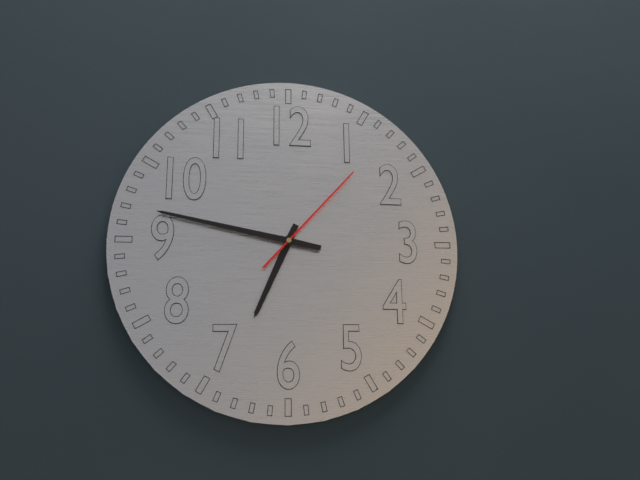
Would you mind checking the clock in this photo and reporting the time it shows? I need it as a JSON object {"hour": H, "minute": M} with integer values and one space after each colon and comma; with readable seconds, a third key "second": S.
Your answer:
{"hour": 6, "minute": 47, "second": 7}
